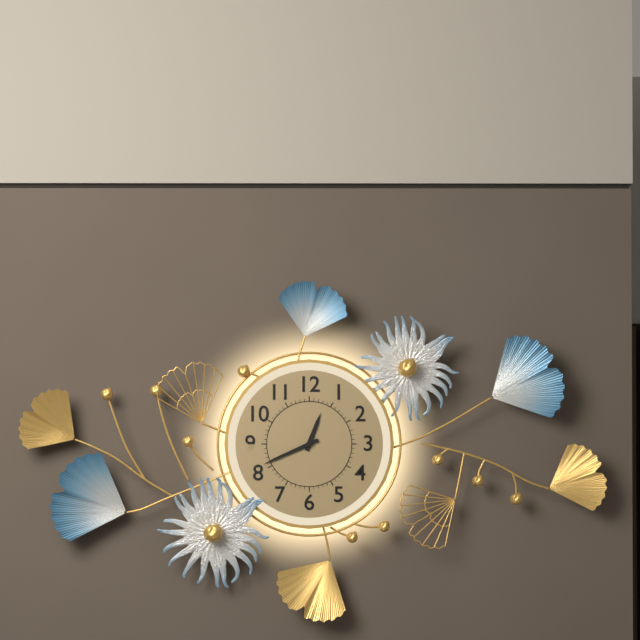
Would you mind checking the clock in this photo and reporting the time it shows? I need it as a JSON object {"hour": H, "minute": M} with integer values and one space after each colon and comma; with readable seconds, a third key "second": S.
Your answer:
{"hour": 12, "minute": 41}
